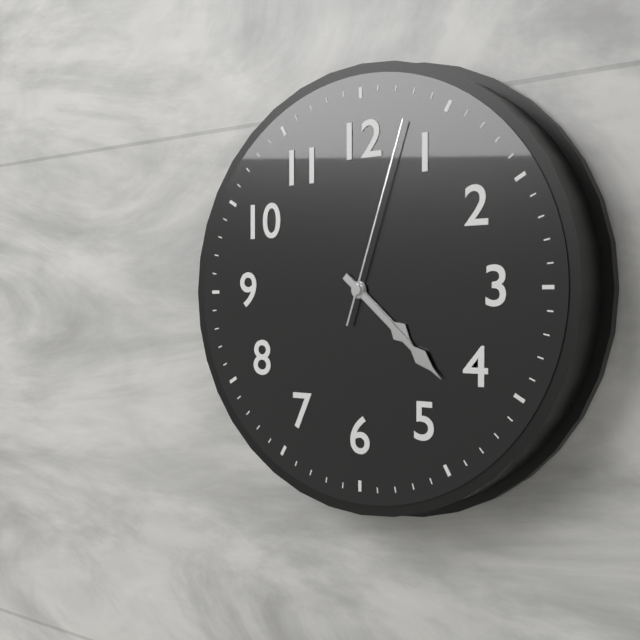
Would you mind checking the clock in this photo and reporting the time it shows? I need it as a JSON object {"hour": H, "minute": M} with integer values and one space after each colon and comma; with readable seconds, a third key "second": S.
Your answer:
{"hour": 4, "minute": 22, "second": 3}
